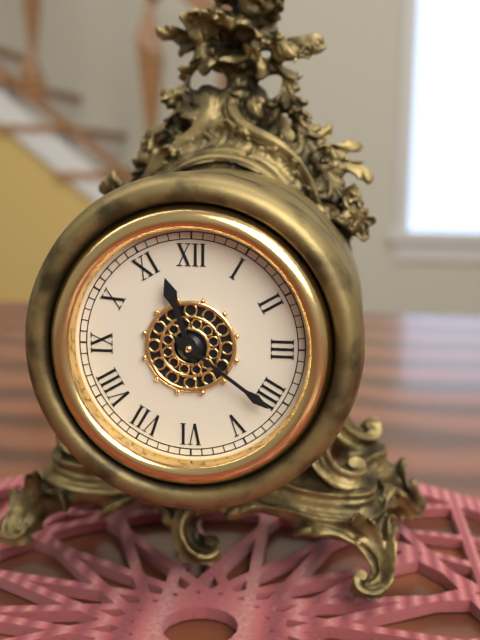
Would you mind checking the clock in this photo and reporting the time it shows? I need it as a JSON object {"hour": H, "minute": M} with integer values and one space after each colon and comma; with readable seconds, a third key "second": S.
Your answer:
{"hour": 11, "minute": 21}
